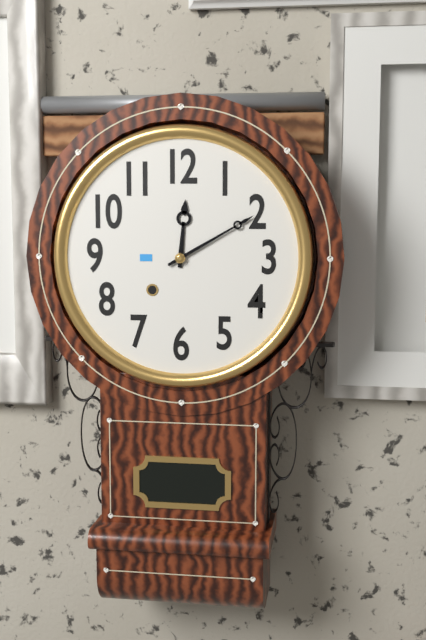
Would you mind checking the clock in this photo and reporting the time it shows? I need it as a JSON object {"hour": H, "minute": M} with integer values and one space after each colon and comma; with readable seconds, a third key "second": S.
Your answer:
{"hour": 12, "minute": 10}
